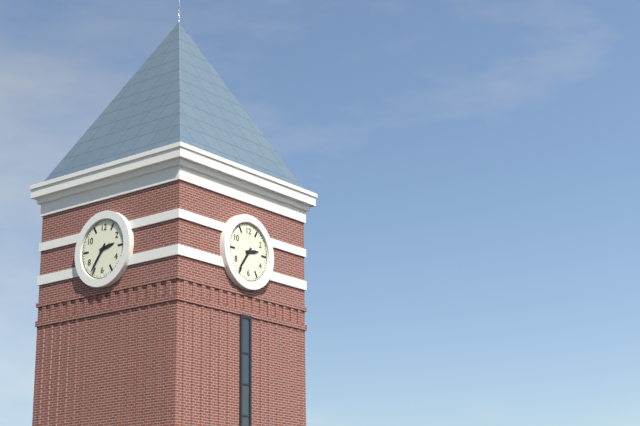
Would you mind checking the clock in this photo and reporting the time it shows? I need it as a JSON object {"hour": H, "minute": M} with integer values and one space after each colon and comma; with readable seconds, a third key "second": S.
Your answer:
{"hour": 2, "minute": 36}
